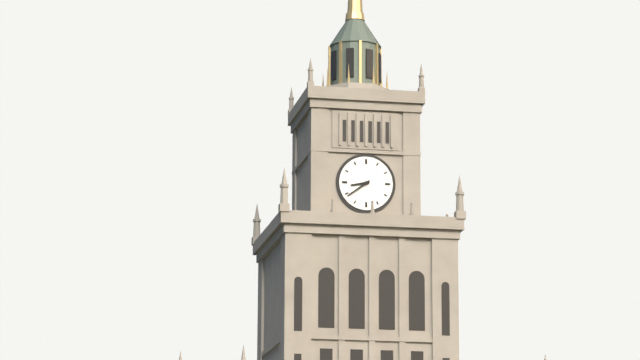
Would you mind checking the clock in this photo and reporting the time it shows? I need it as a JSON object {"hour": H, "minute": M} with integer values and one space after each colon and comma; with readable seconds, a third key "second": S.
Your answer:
{"hour": 8, "minute": 39}
